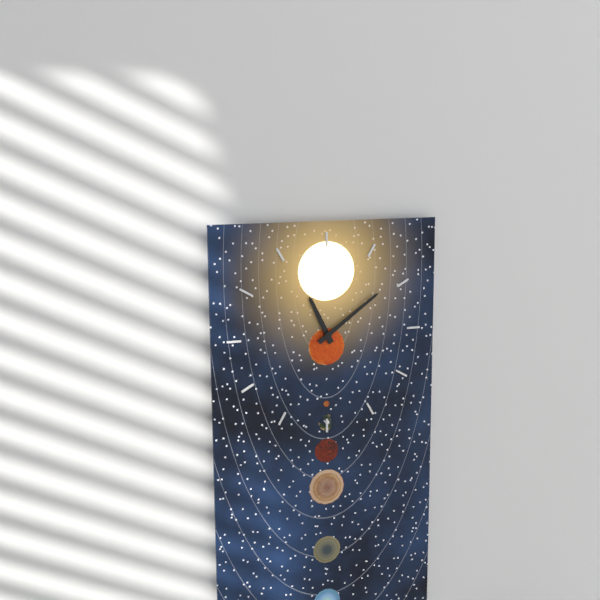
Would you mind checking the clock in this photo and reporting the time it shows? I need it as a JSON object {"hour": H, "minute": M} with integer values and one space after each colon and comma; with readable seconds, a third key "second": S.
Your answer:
{"hour": 11, "minute": 9}
